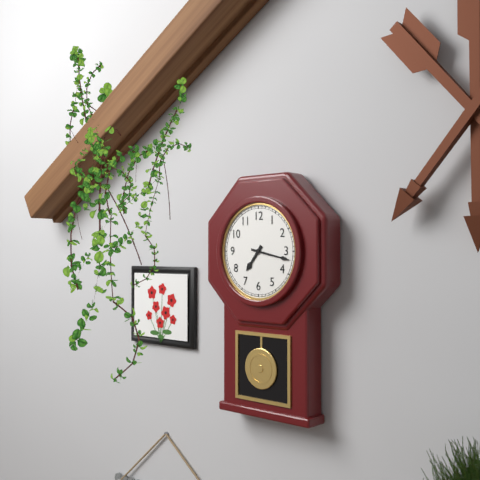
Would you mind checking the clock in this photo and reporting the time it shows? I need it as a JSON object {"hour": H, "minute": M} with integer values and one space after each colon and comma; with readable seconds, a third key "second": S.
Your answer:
{"hour": 7, "minute": 17}
